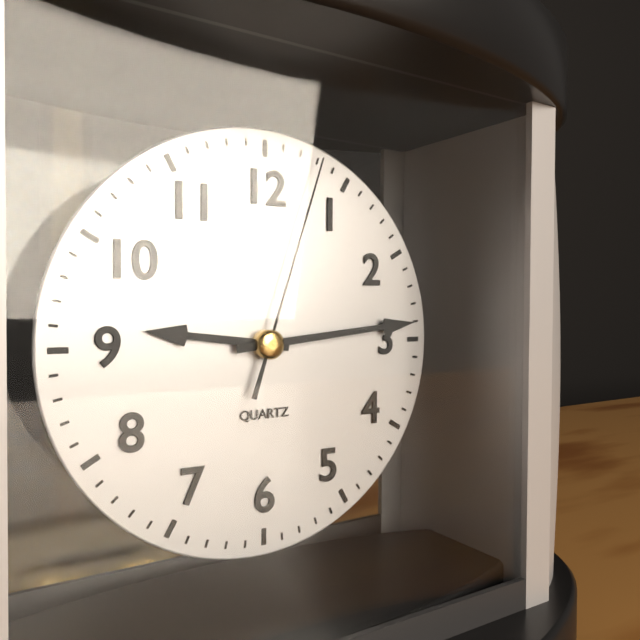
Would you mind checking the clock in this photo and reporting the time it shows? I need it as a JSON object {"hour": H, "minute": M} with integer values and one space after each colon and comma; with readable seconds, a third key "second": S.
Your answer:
{"hour": 9, "minute": 14, "second": 3}
